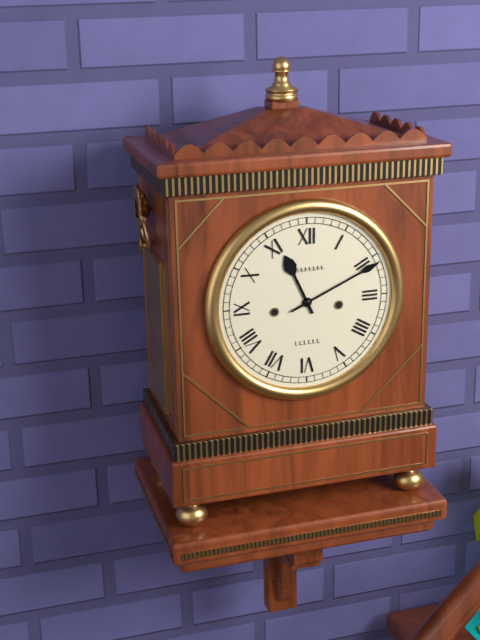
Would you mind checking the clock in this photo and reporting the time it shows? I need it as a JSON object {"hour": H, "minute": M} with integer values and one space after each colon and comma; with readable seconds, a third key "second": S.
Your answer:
{"hour": 11, "minute": 11}
